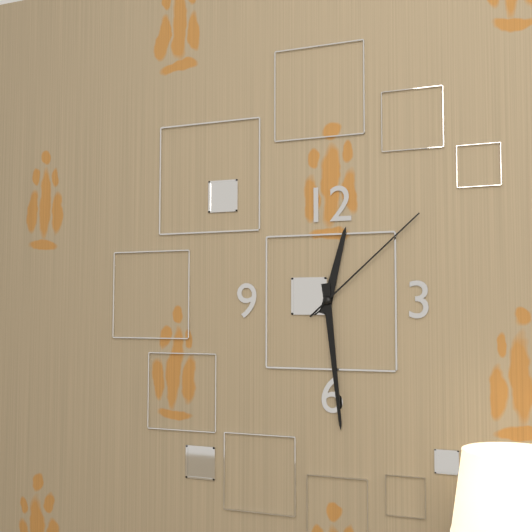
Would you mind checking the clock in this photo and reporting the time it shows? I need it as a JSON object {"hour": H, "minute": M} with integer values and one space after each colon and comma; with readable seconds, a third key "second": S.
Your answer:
{"hour": 12, "minute": 29, "second": 8}
